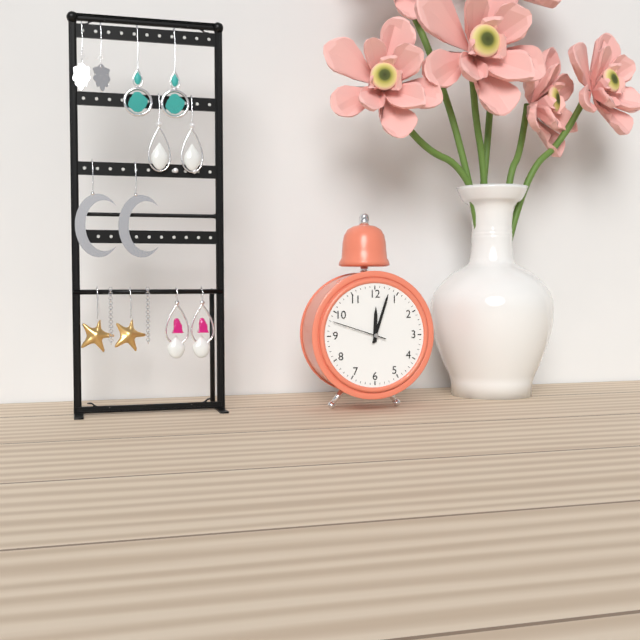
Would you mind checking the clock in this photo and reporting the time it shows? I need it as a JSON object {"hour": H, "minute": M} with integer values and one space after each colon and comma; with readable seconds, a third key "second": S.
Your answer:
{"hour": 12, "minute": 3, "second": 48}
